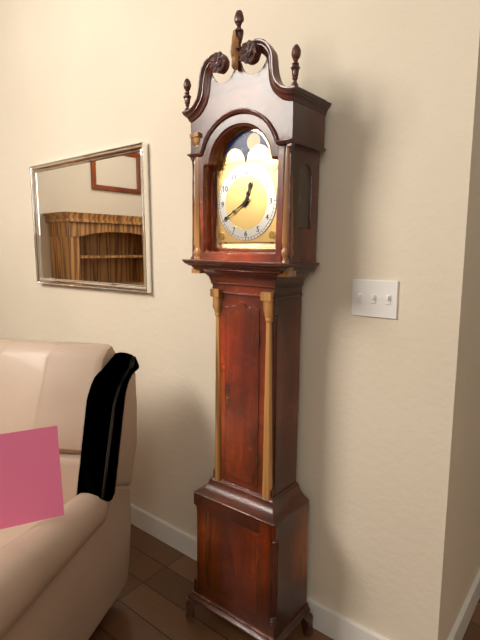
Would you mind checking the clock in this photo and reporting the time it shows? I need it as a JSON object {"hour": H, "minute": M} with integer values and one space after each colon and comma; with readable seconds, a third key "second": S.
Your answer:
{"hour": 12, "minute": 40}
